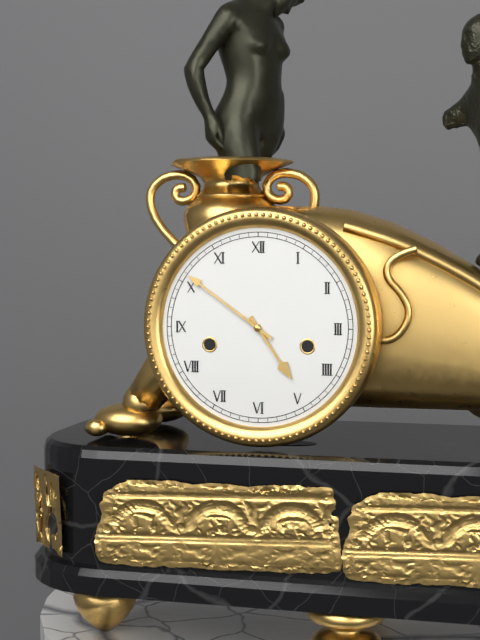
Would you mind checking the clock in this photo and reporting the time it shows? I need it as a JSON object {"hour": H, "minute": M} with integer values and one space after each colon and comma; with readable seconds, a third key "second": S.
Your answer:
{"hour": 4, "minute": 51}
